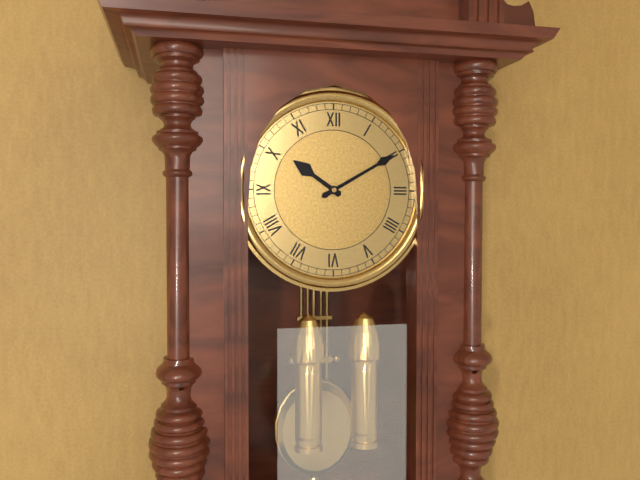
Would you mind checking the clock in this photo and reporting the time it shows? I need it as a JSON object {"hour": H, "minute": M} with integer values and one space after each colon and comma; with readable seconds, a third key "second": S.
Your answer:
{"hour": 10, "minute": 10}
